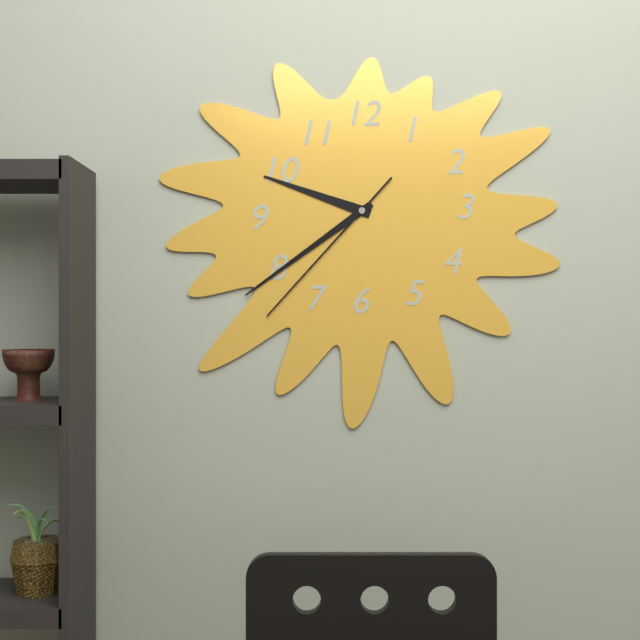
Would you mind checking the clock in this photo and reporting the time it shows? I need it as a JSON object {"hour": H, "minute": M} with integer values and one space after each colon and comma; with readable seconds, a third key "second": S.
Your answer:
{"hour": 9, "minute": 39, "second": 37}
